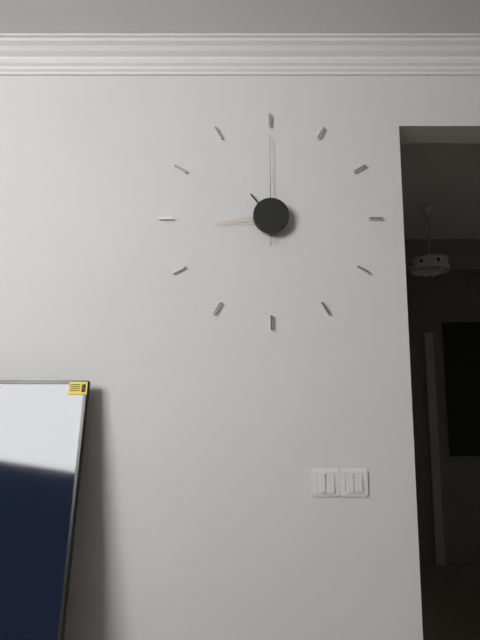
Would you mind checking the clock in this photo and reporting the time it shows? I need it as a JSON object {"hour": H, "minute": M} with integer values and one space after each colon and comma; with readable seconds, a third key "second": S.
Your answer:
{"hour": 10, "minute": 44, "second": 0}
